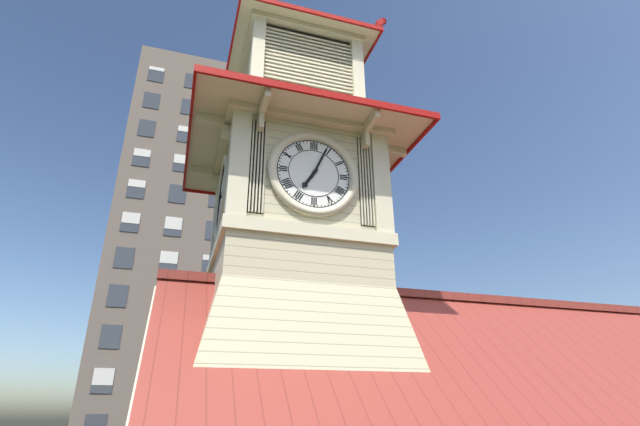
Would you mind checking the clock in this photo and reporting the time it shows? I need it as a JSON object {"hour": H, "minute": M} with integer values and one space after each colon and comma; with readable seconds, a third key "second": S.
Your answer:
{"hour": 7, "minute": 4}
